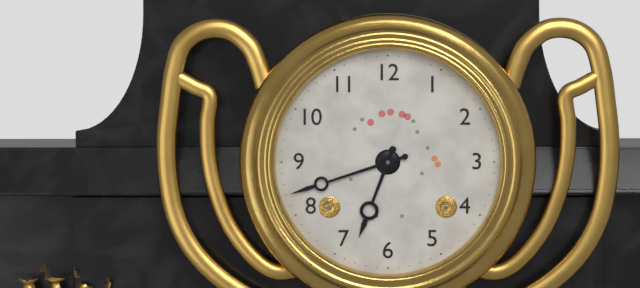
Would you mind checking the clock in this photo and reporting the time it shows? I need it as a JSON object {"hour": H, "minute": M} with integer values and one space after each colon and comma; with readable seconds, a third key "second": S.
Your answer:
{"hour": 6, "minute": 42}
